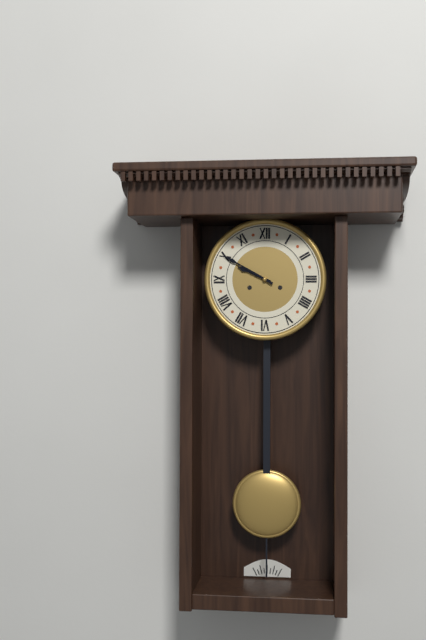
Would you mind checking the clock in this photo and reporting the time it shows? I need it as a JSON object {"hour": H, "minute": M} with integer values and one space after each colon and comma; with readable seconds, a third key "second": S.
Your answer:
{"hour": 9, "minute": 50}
